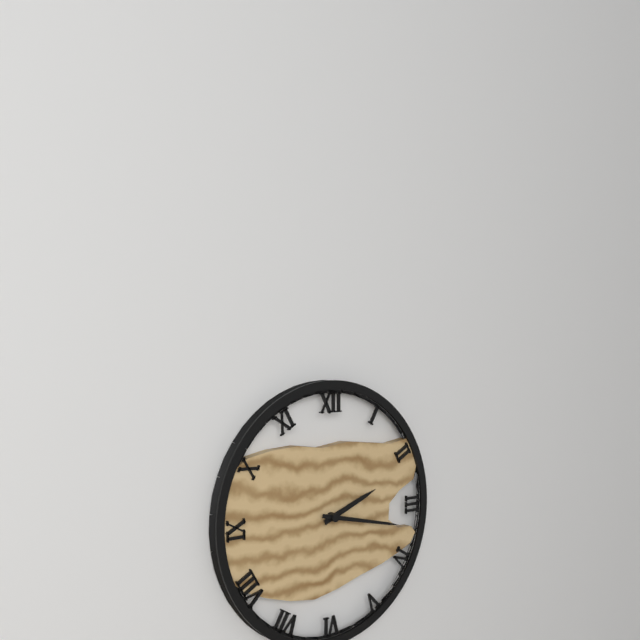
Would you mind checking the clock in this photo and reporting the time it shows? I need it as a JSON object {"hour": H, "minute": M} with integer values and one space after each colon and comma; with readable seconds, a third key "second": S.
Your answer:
{"hour": 2, "minute": 17}
